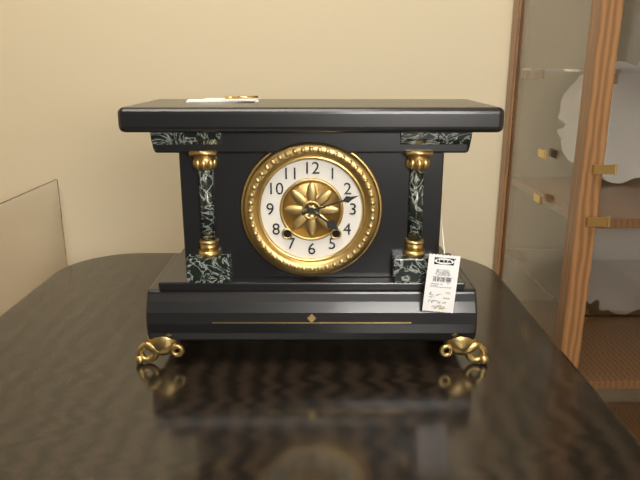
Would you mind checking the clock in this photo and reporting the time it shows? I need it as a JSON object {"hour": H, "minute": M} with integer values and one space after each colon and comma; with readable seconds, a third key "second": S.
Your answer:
{"hour": 4, "minute": 12}
